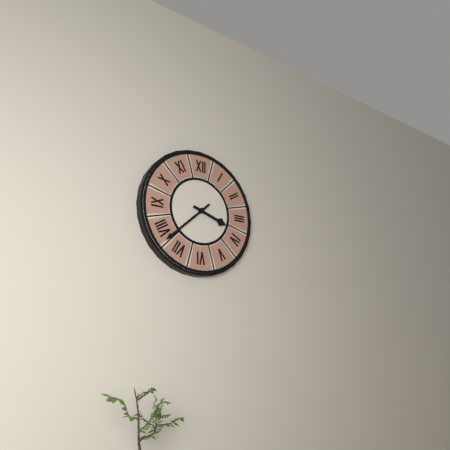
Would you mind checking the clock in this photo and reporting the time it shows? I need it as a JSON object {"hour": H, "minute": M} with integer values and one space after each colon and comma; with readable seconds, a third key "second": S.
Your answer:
{"hour": 3, "minute": 38}
